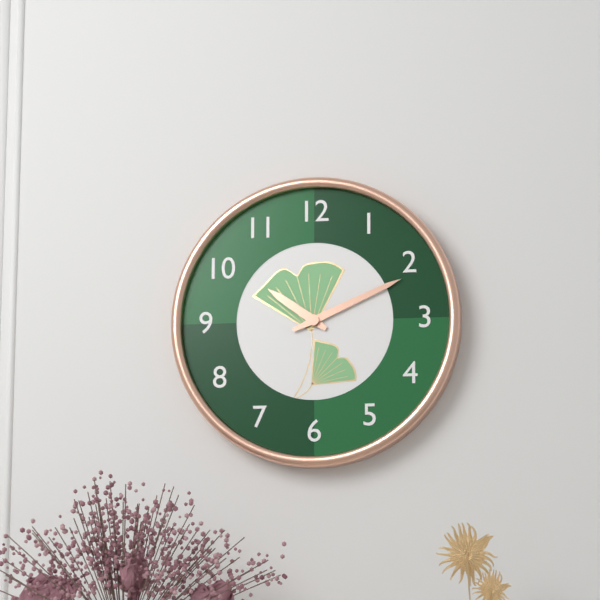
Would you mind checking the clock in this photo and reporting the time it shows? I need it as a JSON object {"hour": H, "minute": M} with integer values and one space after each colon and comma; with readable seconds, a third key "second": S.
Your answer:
{"hour": 10, "minute": 11}
